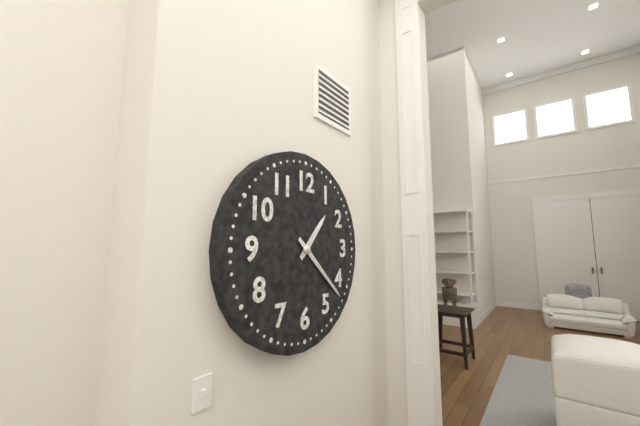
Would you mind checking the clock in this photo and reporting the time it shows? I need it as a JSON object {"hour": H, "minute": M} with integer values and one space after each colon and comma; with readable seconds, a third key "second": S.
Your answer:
{"hour": 1, "minute": 22}
